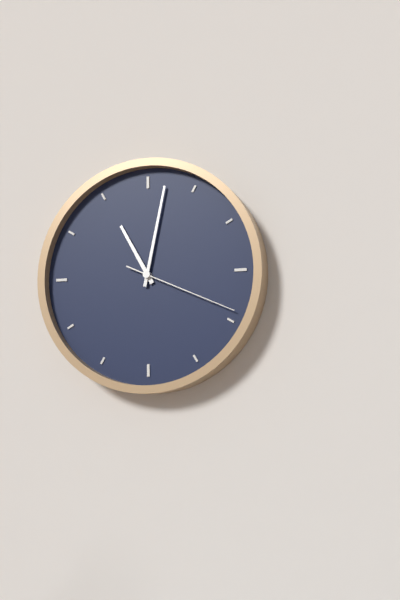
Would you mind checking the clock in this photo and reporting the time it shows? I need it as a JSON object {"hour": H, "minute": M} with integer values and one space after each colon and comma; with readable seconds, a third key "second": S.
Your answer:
{"hour": 11, "minute": 2, "second": 19}
